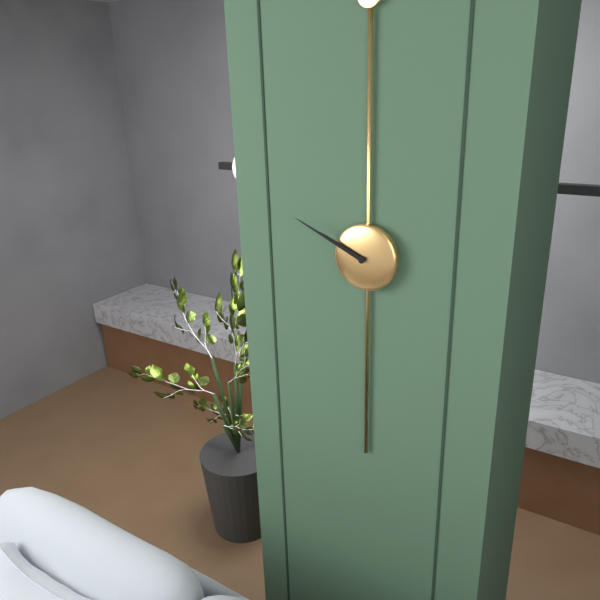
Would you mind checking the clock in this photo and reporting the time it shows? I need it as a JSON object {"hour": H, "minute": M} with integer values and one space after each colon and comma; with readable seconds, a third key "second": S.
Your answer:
{"hour": 9, "minute": 49}
